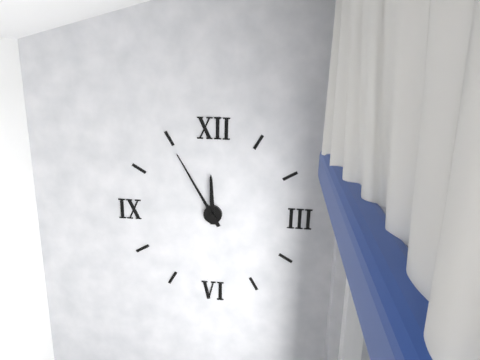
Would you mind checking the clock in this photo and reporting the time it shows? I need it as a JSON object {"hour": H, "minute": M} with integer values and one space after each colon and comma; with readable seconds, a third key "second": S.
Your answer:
{"hour": 11, "minute": 55}
